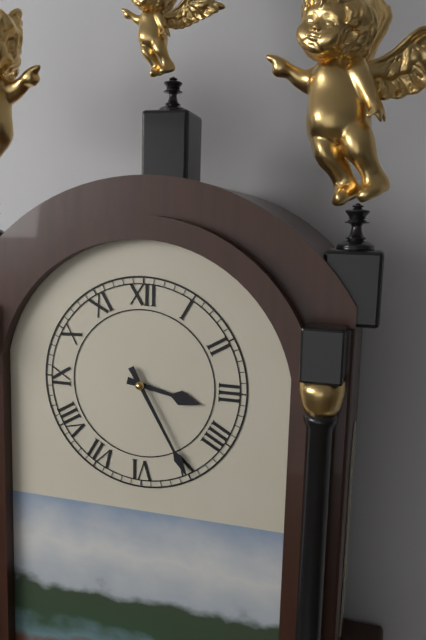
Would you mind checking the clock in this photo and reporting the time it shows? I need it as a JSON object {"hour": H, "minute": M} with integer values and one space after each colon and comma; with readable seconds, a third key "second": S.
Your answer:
{"hour": 3, "minute": 25}
